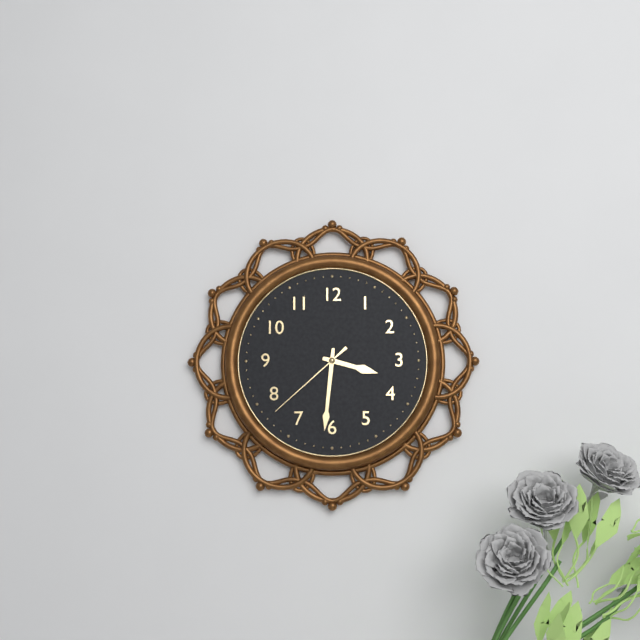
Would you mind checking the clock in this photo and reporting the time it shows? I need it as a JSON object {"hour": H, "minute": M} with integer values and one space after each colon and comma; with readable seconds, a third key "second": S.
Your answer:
{"hour": 3, "minute": 31, "second": 38}
